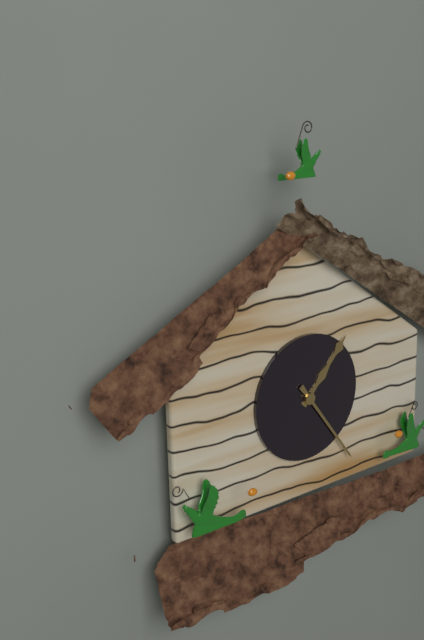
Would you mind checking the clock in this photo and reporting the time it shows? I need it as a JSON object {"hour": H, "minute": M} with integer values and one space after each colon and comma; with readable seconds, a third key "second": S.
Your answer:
{"hour": 1, "minute": 24}
